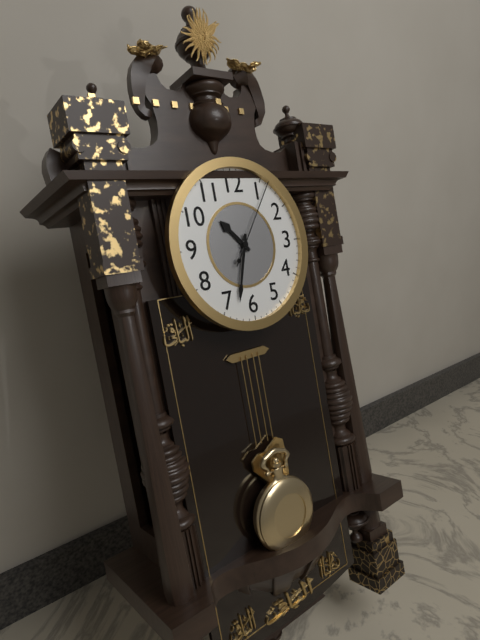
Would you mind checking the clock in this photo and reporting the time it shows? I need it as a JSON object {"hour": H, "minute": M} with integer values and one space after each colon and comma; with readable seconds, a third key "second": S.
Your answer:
{"hour": 10, "minute": 33, "second": 6}
